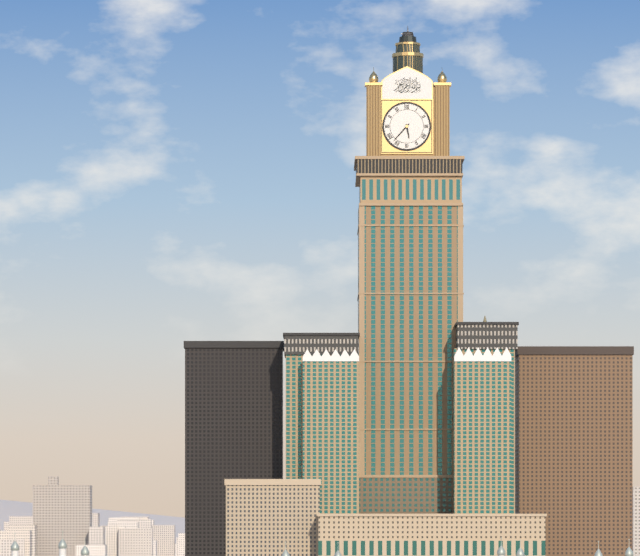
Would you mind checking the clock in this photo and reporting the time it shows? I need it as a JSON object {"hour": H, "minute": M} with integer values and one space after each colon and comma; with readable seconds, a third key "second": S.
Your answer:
{"hour": 5, "minute": 37}
